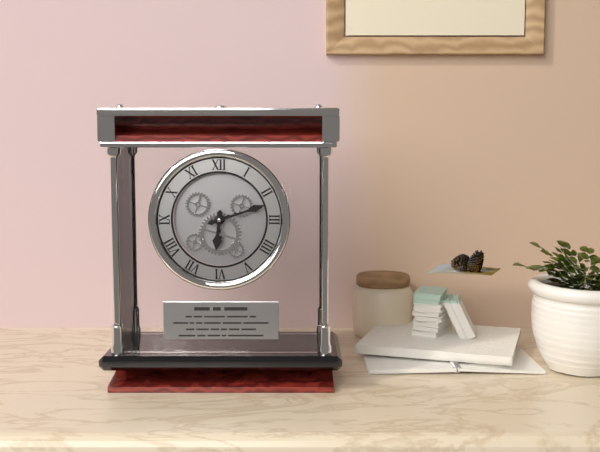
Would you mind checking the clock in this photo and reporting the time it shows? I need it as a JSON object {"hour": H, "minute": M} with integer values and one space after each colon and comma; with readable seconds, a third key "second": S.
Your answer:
{"hour": 6, "minute": 12}
